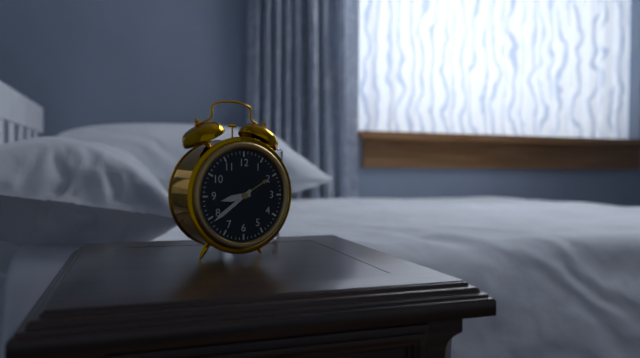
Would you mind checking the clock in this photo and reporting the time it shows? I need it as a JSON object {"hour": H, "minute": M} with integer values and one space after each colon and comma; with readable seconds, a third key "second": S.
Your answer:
{"hour": 8, "minute": 39}
